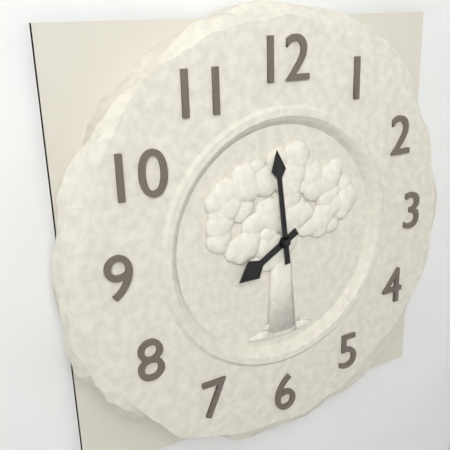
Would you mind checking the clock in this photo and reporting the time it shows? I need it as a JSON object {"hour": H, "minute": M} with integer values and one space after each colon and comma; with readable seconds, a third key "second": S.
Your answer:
{"hour": 7, "minute": 59}
